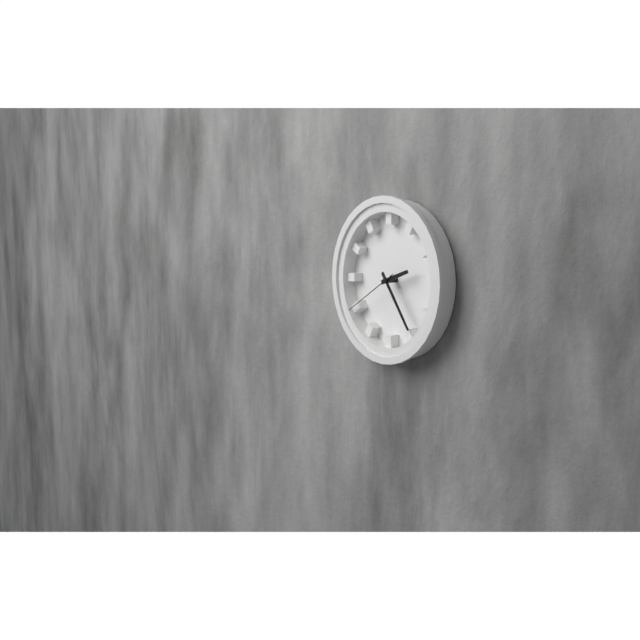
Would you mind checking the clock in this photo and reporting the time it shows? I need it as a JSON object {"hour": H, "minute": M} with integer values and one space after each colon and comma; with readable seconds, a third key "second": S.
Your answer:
{"hour": 2, "minute": 24, "second": 40}
